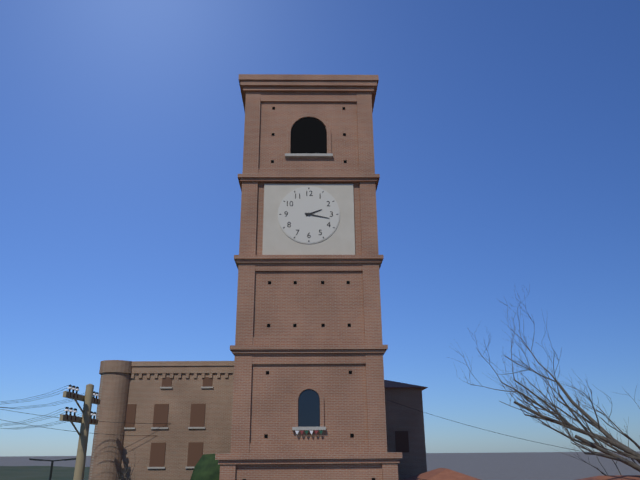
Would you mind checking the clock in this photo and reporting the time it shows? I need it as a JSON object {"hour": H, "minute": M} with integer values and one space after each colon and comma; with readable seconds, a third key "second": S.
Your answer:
{"hour": 2, "minute": 17}
